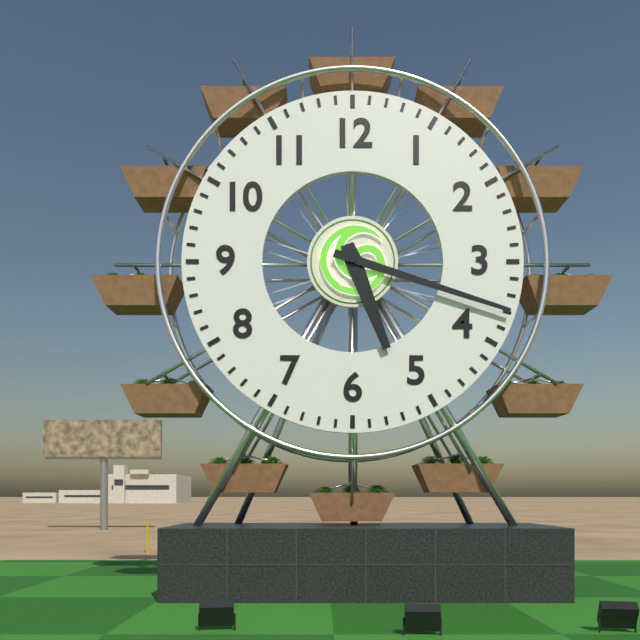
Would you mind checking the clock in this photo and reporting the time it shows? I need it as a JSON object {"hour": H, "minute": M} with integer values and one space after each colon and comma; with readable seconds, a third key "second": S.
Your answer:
{"hour": 5, "minute": 18}
